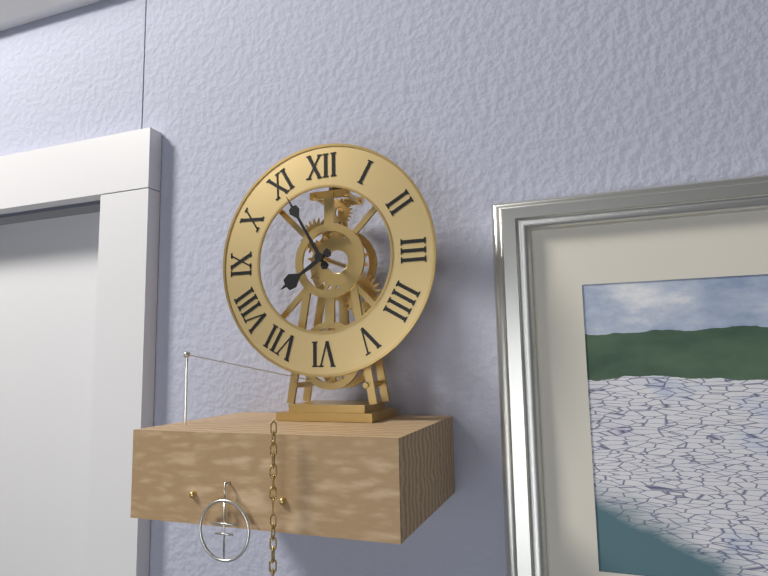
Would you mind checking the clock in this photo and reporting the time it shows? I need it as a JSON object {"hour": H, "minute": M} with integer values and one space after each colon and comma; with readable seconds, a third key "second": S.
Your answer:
{"hour": 7, "minute": 55}
